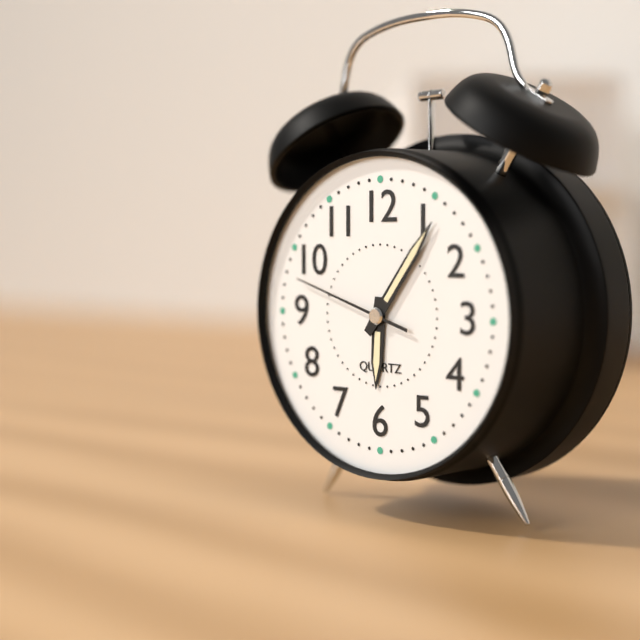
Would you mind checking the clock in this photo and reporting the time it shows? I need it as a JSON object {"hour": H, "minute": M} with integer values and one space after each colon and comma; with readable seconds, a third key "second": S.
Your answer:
{"hour": 6, "minute": 6, "second": 48}
